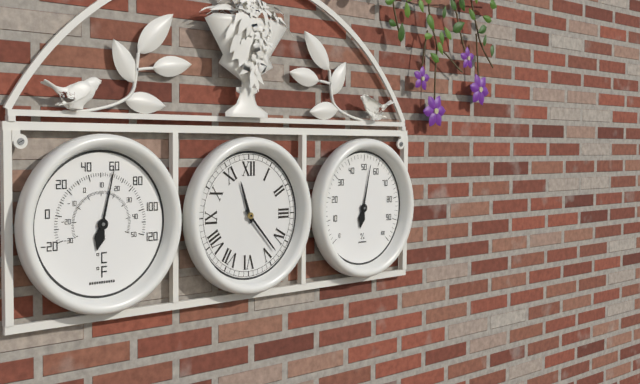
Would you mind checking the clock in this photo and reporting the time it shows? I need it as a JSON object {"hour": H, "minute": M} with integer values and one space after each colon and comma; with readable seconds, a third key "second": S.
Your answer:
{"hour": 11, "minute": 23}
